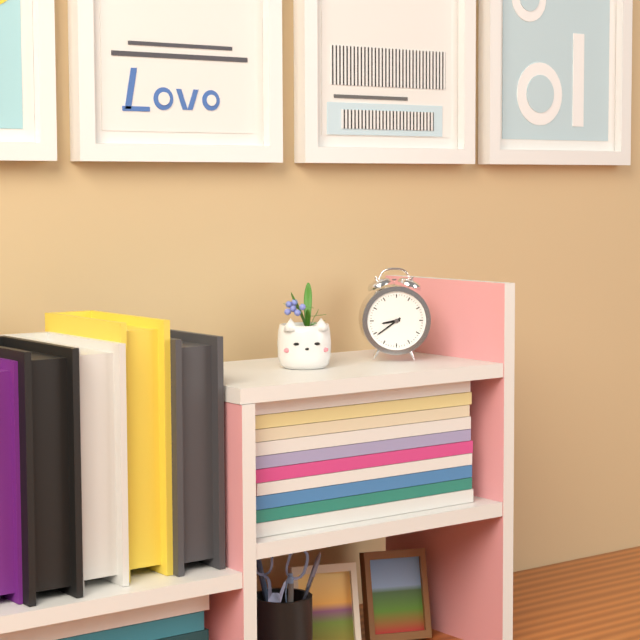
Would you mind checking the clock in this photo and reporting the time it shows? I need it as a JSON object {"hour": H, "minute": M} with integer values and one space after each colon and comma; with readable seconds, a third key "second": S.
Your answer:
{"hour": 8, "minute": 39}
